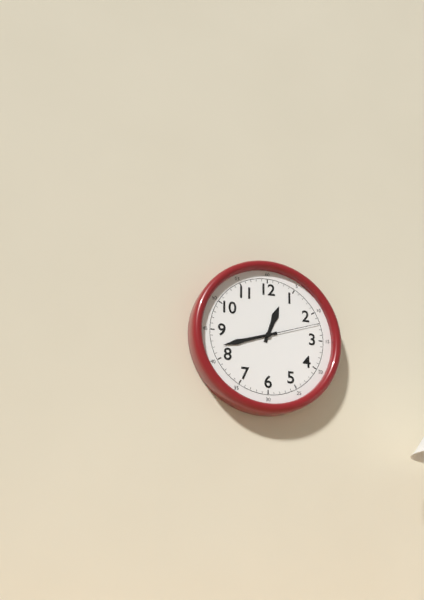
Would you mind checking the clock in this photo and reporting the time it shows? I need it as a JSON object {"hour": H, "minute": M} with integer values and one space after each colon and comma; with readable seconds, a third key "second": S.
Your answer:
{"hour": 12, "minute": 42, "second": 12}
